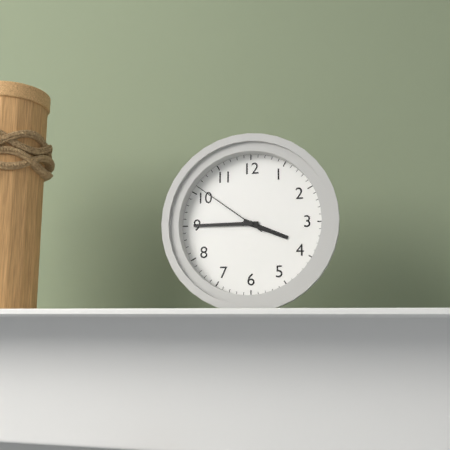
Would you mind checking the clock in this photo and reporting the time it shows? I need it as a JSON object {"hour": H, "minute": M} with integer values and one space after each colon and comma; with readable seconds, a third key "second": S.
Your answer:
{"hour": 3, "minute": 45, "second": 51}
